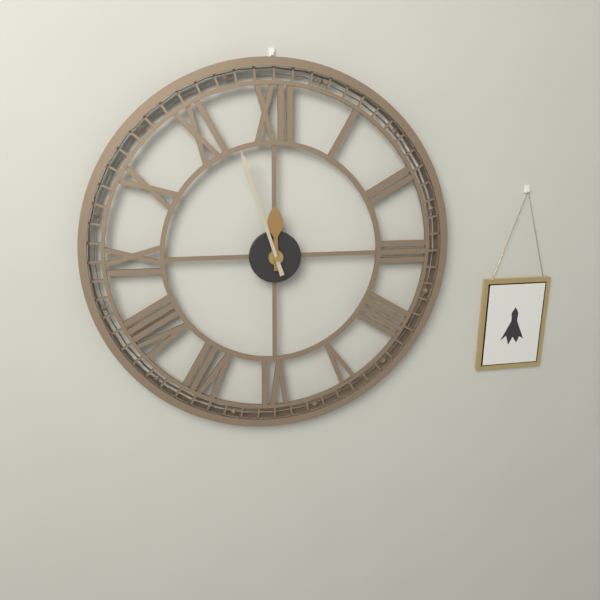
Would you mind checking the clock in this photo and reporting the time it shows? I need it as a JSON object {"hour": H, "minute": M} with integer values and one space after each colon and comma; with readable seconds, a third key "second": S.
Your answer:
{"hour": 11, "minute": 57}
